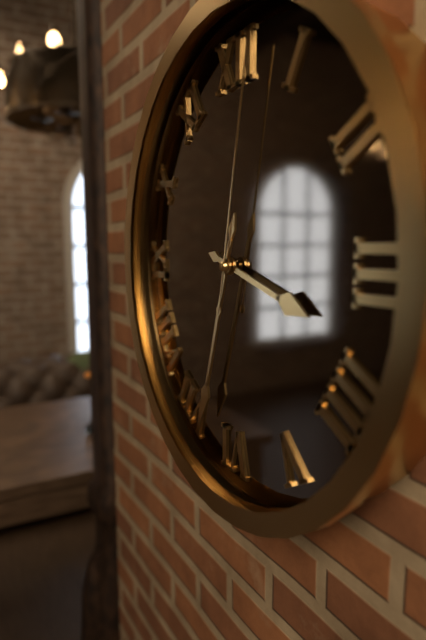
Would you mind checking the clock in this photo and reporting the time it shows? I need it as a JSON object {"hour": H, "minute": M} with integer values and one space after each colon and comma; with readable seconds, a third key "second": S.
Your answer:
{"hour": 3, "minute": 33, "second": 2}
